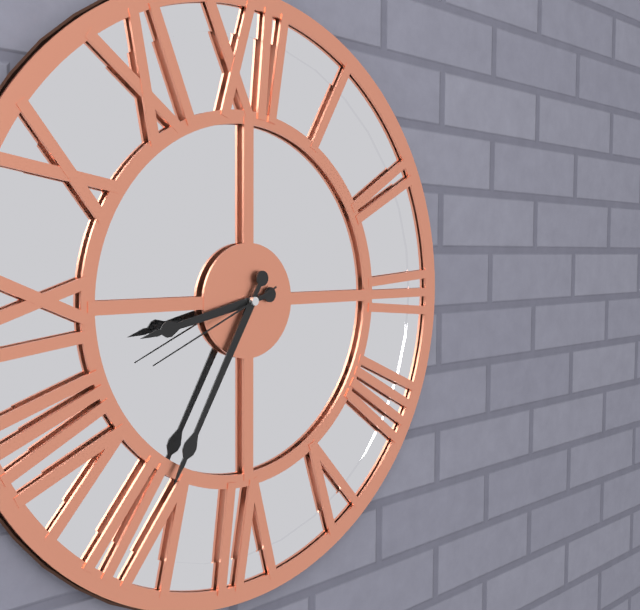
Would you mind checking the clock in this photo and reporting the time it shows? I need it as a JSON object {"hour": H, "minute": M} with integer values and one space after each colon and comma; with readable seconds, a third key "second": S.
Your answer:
{"hour": 8, "minute": 35, "second": 41}
